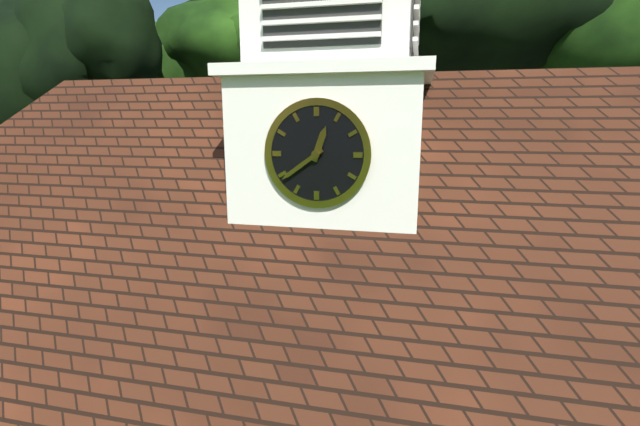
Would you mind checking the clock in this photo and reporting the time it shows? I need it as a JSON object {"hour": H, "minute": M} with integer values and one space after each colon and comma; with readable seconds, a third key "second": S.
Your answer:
{"hour": 12, "minute": 39}
